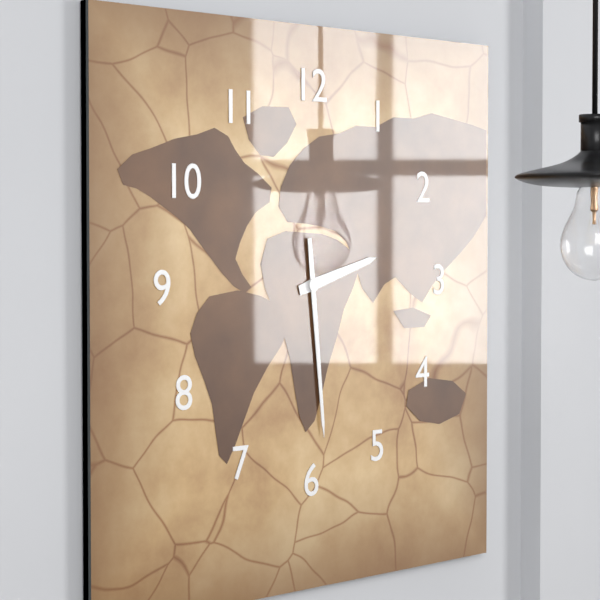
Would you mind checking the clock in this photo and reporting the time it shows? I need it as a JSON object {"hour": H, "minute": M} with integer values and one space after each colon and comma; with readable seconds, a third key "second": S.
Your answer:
{"hour": 2, "minute": 29}
